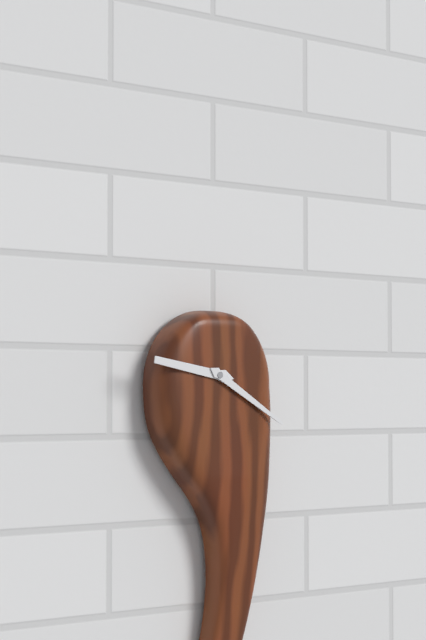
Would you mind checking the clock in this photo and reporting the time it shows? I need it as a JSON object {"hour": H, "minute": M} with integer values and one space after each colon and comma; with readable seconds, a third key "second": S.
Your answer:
{"hour": 9, "minute": 20}
